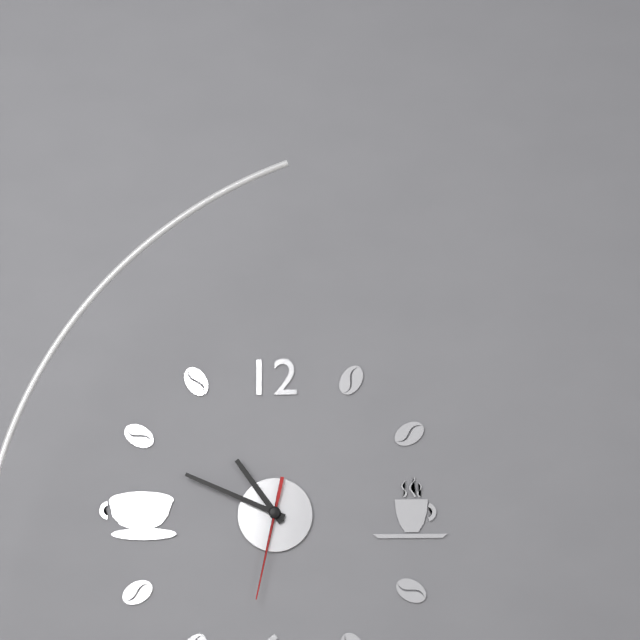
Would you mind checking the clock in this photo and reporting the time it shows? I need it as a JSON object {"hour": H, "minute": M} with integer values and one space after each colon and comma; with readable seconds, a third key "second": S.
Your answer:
{"hour": 10, "minute": 49, "second": 32}
